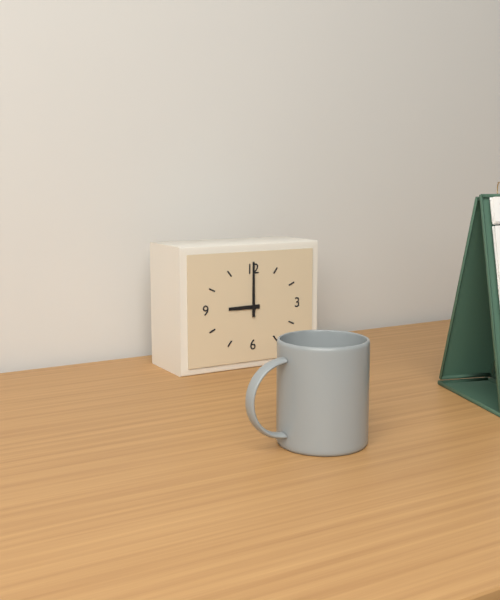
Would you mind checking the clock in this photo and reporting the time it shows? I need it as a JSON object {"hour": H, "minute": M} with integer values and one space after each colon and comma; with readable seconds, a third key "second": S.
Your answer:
{"hour": 9, "minute": 0}
